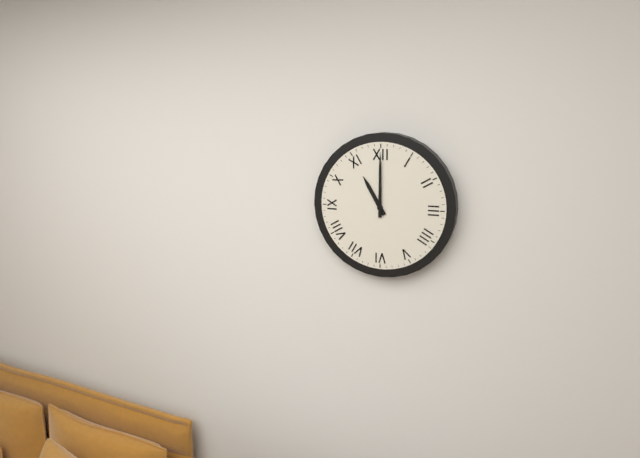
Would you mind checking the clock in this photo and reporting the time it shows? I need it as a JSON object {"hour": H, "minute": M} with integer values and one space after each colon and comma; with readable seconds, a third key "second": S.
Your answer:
{"hour": 11, "minute": 0}
